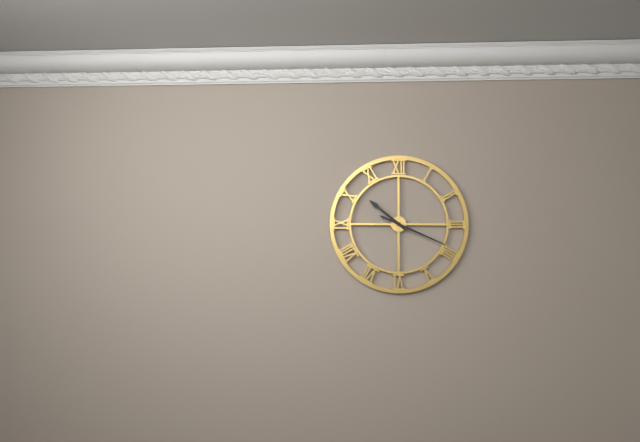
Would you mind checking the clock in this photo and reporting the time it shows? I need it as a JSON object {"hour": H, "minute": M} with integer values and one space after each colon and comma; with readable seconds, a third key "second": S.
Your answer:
{"hour": 10, "minute": 19}
